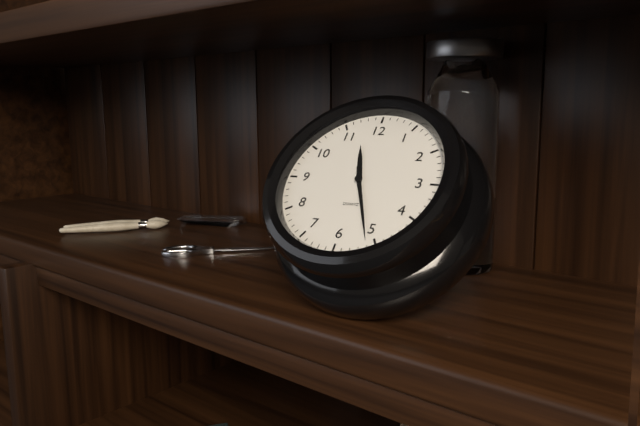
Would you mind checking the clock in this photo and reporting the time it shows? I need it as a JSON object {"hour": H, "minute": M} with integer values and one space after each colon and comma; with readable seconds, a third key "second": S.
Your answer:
{"hour": 11, "minute": 26}
